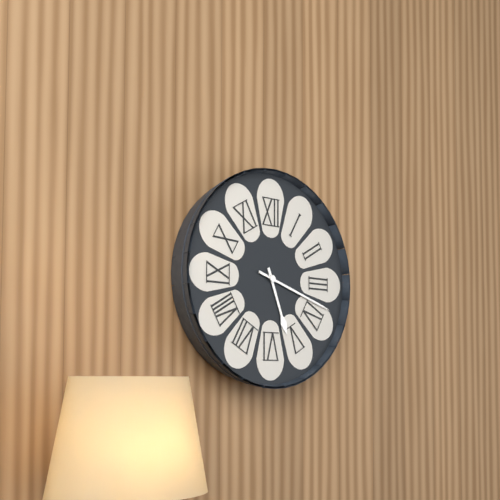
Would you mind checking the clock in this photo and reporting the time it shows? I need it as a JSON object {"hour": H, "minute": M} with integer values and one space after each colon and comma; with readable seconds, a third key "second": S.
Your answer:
{"hour": 5, "minute": 18}
